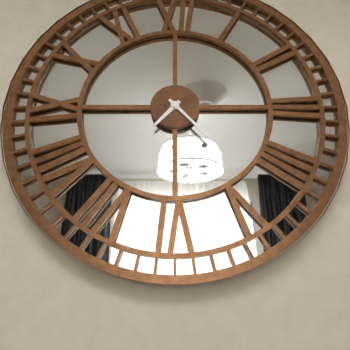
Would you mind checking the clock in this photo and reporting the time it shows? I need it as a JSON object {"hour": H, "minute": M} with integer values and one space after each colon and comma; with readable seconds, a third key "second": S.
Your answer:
{"hour": 7, "minute": 23}
